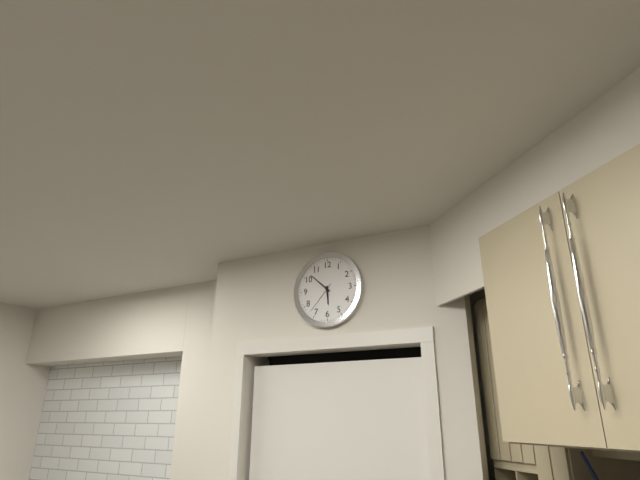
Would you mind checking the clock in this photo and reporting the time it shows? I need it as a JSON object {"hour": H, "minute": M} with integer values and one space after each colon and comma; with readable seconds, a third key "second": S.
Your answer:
{"hour": 5, "minute": 52}
